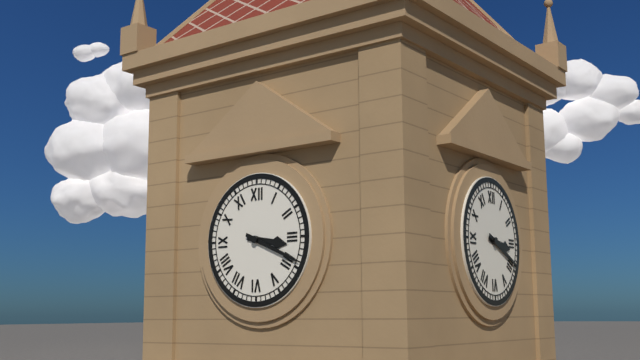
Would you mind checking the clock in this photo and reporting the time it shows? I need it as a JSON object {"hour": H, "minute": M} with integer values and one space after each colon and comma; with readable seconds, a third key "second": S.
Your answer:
{"hour": 3, "minute": 19}
